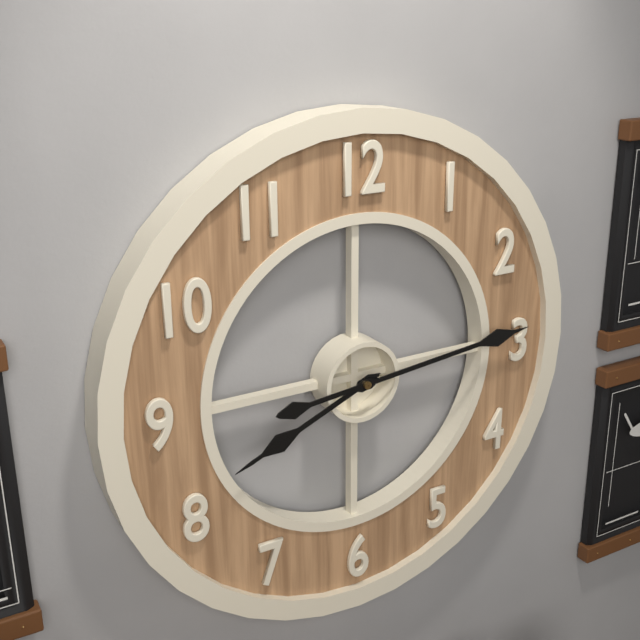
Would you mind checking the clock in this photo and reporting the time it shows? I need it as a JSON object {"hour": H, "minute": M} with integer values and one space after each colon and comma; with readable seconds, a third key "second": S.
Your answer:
{"hour": 8, "minute": 14}
